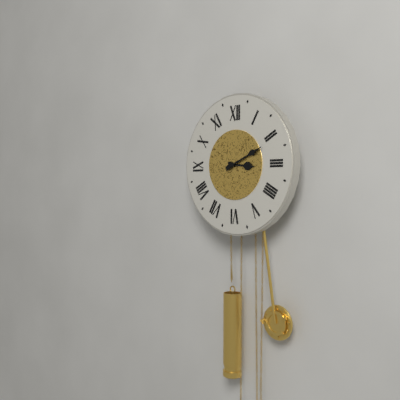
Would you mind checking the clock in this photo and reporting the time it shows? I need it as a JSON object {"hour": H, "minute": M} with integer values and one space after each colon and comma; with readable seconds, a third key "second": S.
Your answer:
{"hour": 3, "minute": 11}
